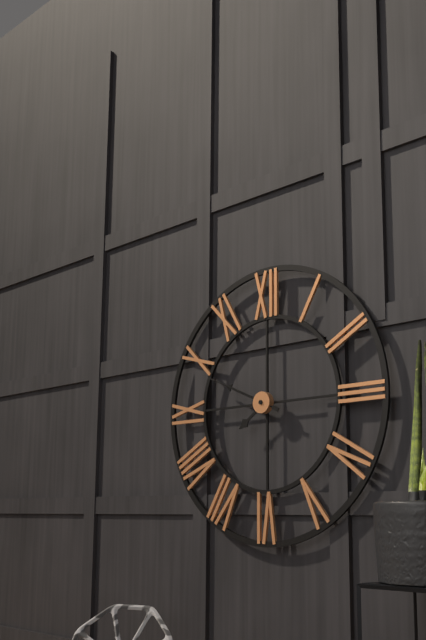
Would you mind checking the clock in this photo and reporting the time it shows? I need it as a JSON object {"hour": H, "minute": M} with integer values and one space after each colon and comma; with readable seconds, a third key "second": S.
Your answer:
{"hour": 7, "minute": 49, "second": 49}
